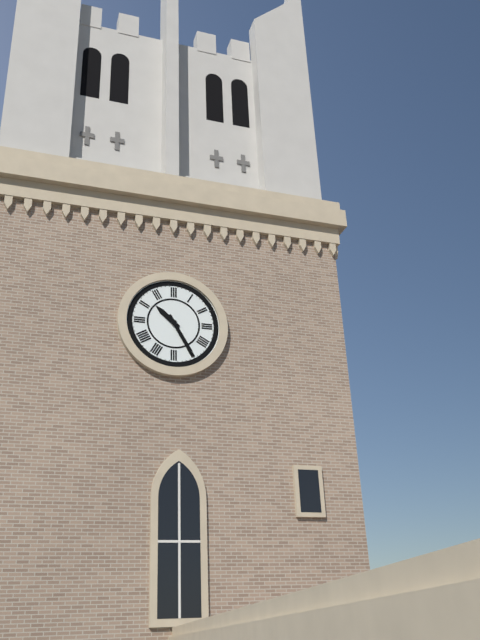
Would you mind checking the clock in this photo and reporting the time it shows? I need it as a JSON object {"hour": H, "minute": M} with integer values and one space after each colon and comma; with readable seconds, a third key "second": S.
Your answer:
{"hour": 10, "minute": 25}
